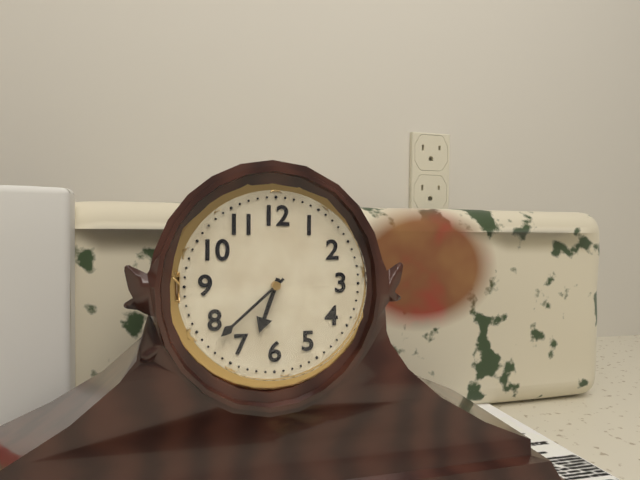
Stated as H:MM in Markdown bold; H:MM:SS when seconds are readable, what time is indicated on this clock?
**6:38**
